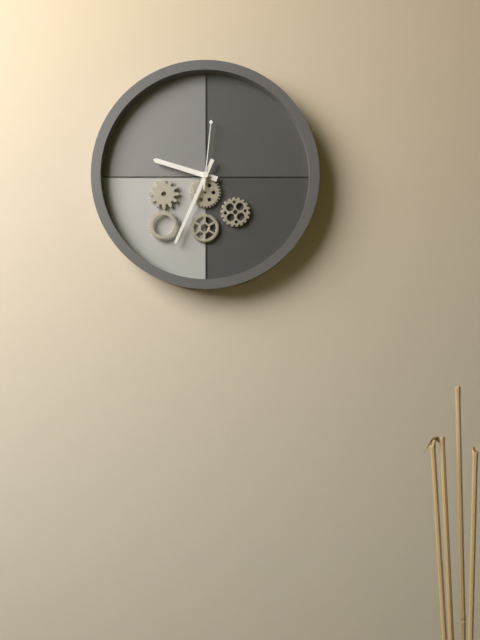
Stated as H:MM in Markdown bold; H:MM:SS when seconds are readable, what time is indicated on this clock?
**9:34:01**
